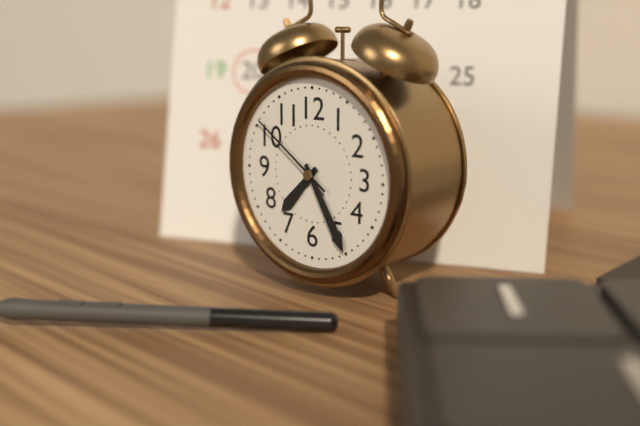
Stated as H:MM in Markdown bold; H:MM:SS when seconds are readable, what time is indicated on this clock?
**7:25:51**
